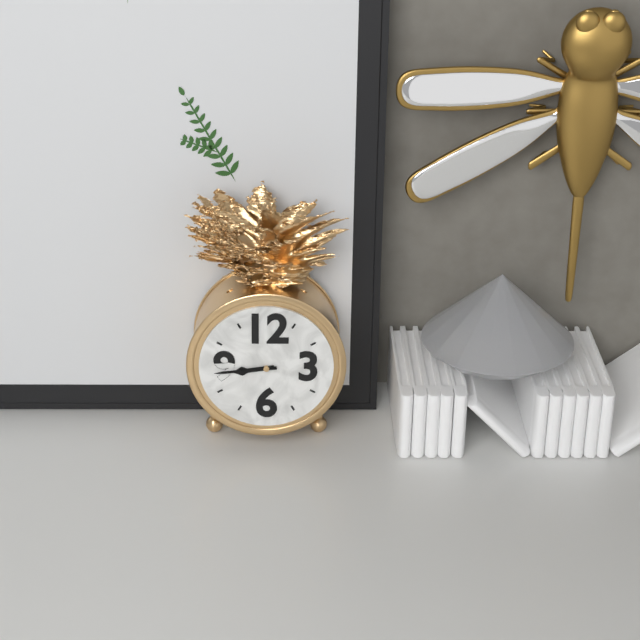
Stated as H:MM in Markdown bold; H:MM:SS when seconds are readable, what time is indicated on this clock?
**8:44**
